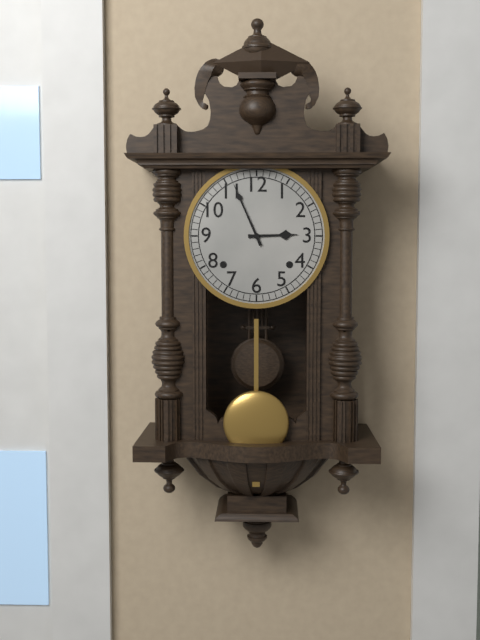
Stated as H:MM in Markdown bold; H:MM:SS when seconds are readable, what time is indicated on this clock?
**2:56**
